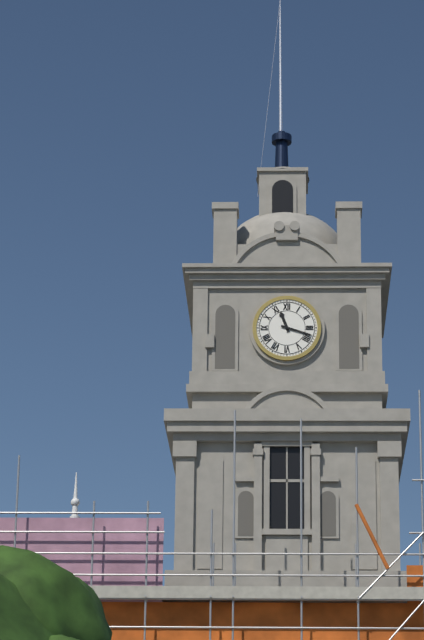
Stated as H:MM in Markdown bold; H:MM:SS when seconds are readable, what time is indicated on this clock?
**11:18**
